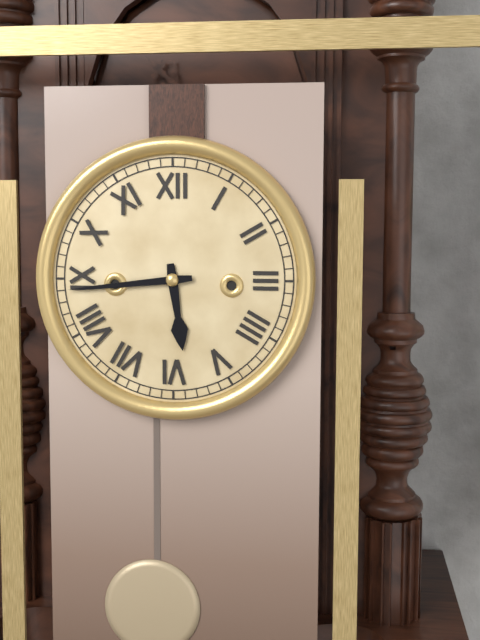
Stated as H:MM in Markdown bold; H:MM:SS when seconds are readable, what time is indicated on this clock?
**5:44**
